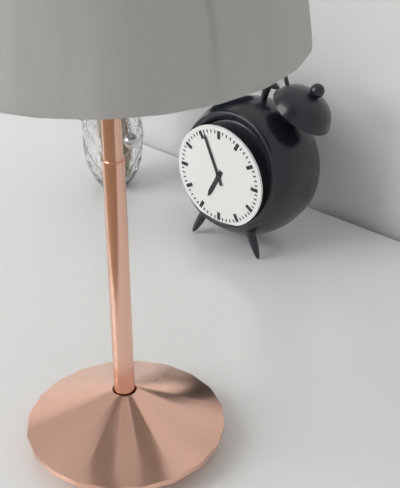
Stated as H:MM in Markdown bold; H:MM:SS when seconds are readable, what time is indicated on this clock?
**6:56**
